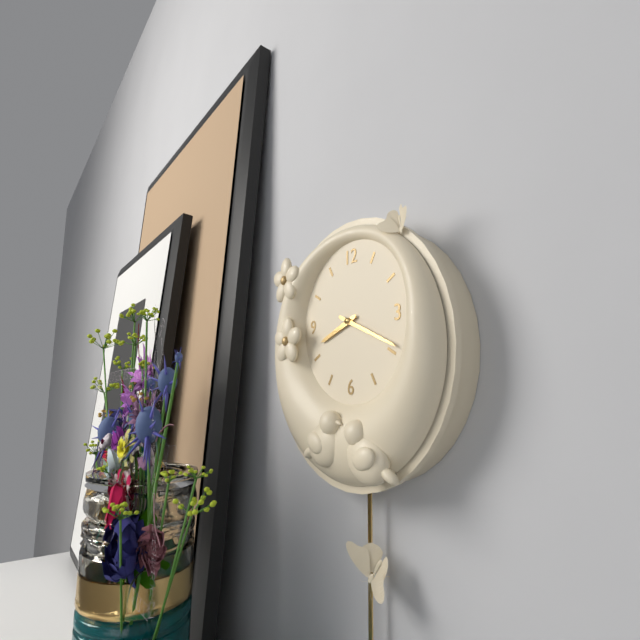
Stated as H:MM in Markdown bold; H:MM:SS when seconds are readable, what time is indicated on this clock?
**8:19**
